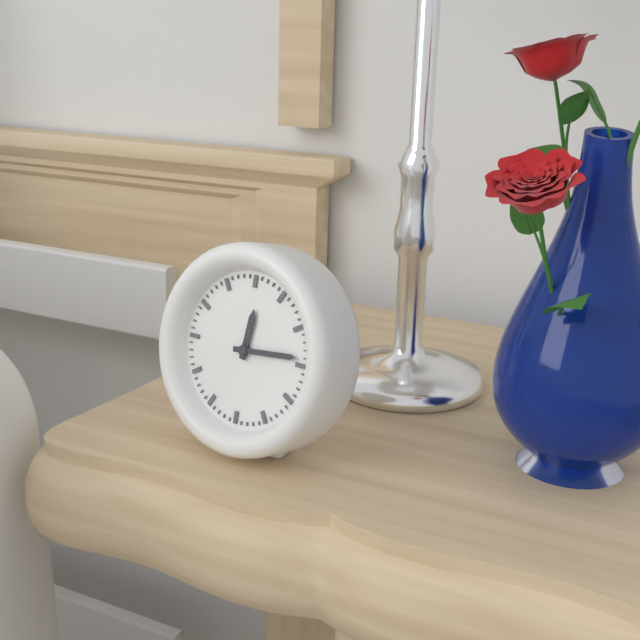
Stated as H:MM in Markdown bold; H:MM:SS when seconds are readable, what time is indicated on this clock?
**12:14**
